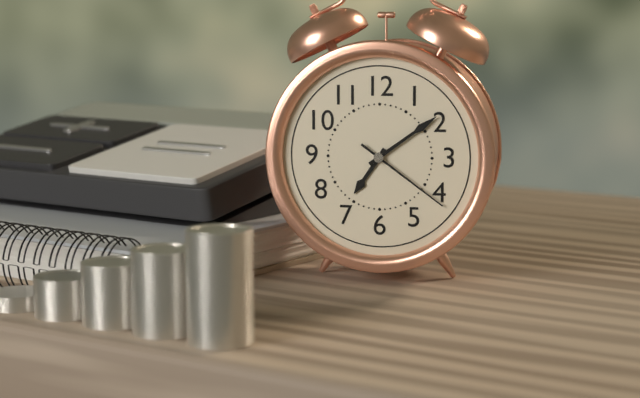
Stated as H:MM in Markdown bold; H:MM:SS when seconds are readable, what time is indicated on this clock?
**7:09:21**
